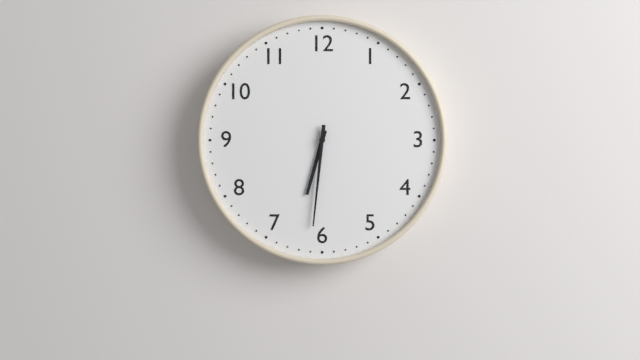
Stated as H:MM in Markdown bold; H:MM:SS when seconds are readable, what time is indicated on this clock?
**6:31**
